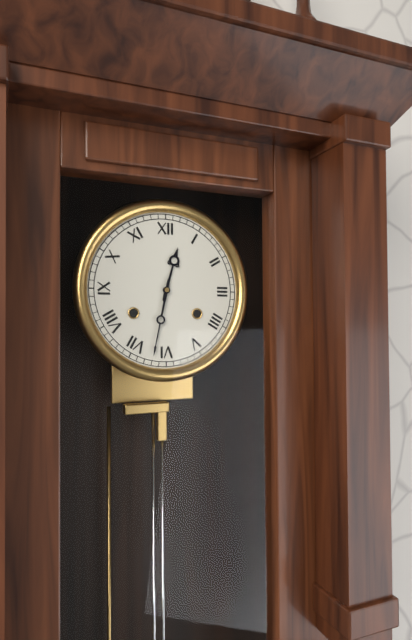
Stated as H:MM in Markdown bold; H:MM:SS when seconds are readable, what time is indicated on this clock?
**12:32**
